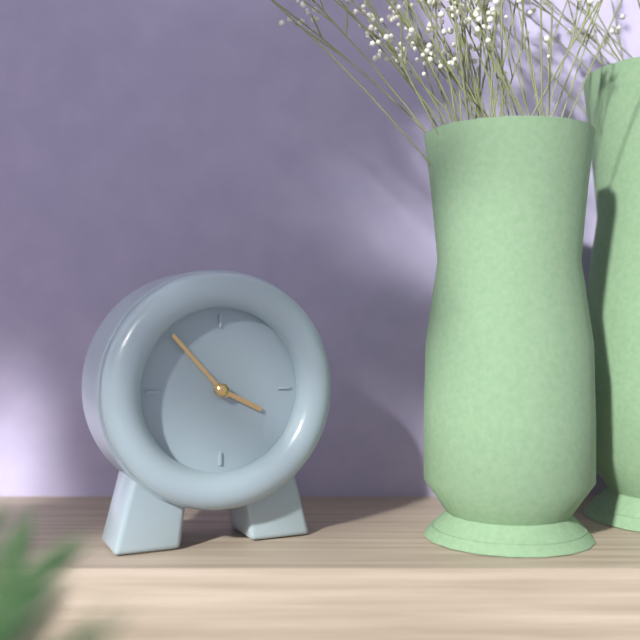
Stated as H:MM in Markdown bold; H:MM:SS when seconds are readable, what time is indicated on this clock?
**3:53**
